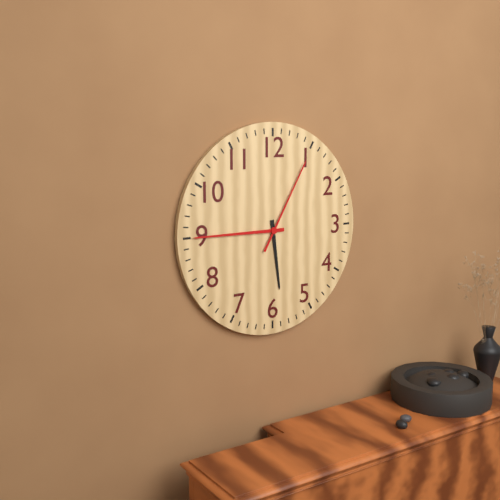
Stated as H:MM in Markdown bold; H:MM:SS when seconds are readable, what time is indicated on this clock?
**5:45:05**
